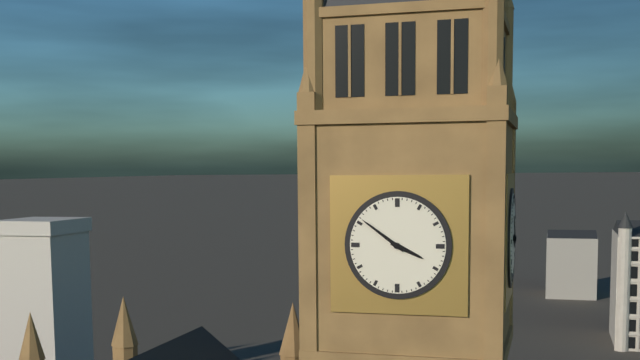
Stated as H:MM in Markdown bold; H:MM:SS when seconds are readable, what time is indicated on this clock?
**3:51**
